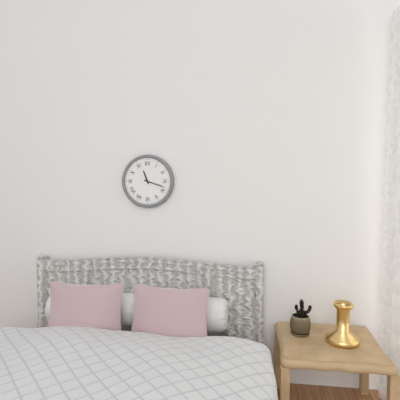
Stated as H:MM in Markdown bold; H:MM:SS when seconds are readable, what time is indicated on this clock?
**11:18**
